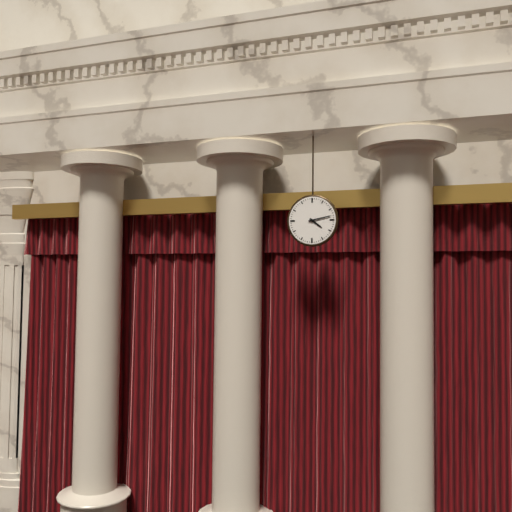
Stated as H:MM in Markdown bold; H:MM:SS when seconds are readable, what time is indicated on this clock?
**4:13**
